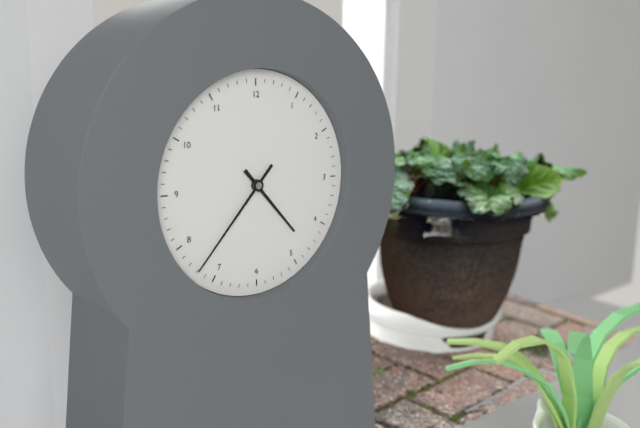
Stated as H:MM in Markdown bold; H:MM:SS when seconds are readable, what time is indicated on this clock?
**4:37**
